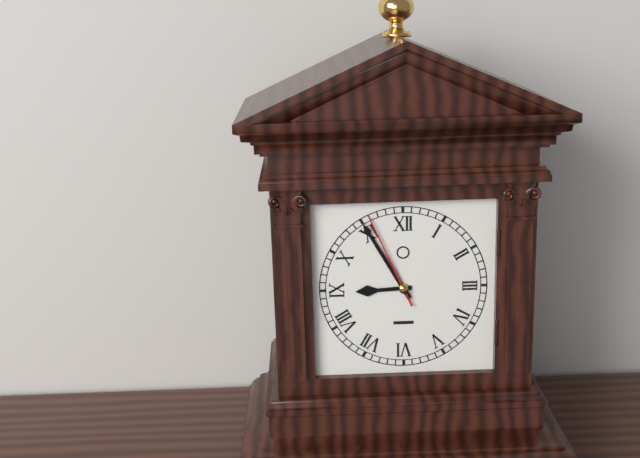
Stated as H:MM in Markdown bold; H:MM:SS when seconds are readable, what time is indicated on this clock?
**8:55:56**
